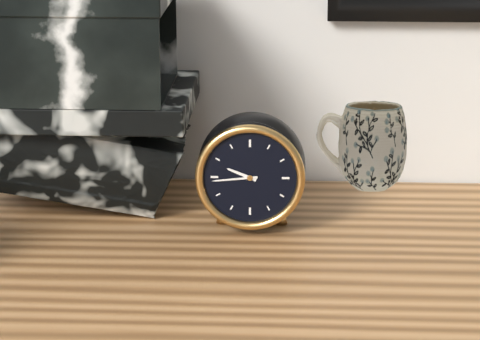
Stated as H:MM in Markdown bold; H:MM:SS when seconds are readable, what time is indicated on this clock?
**9:44**
